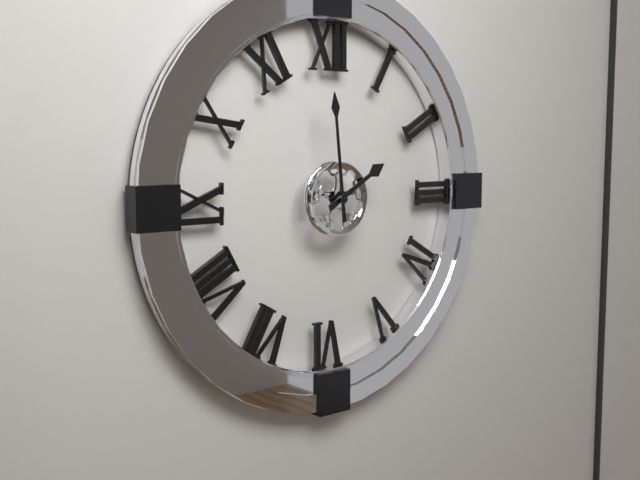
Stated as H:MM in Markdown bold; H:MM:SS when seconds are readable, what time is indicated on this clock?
**1:59**
